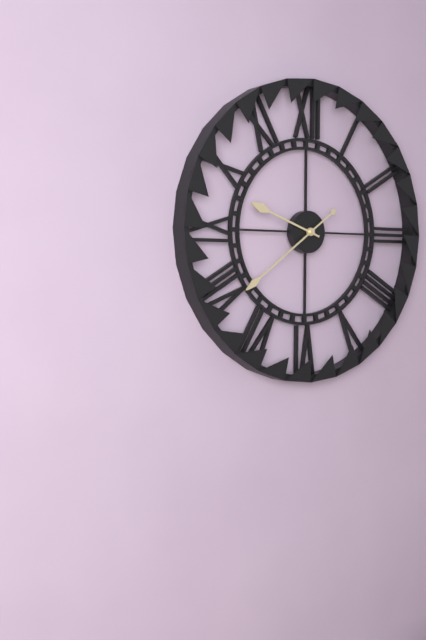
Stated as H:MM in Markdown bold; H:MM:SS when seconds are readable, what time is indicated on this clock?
**9:39**
